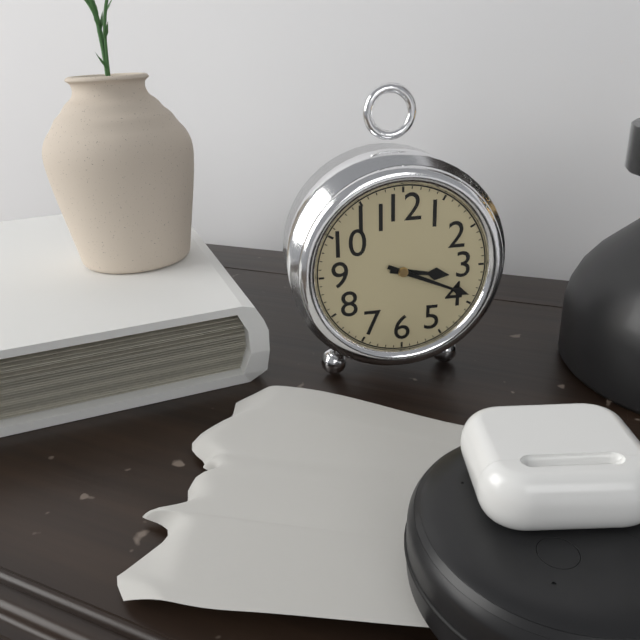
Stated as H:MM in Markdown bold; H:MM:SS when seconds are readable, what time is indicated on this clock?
**3:19**
